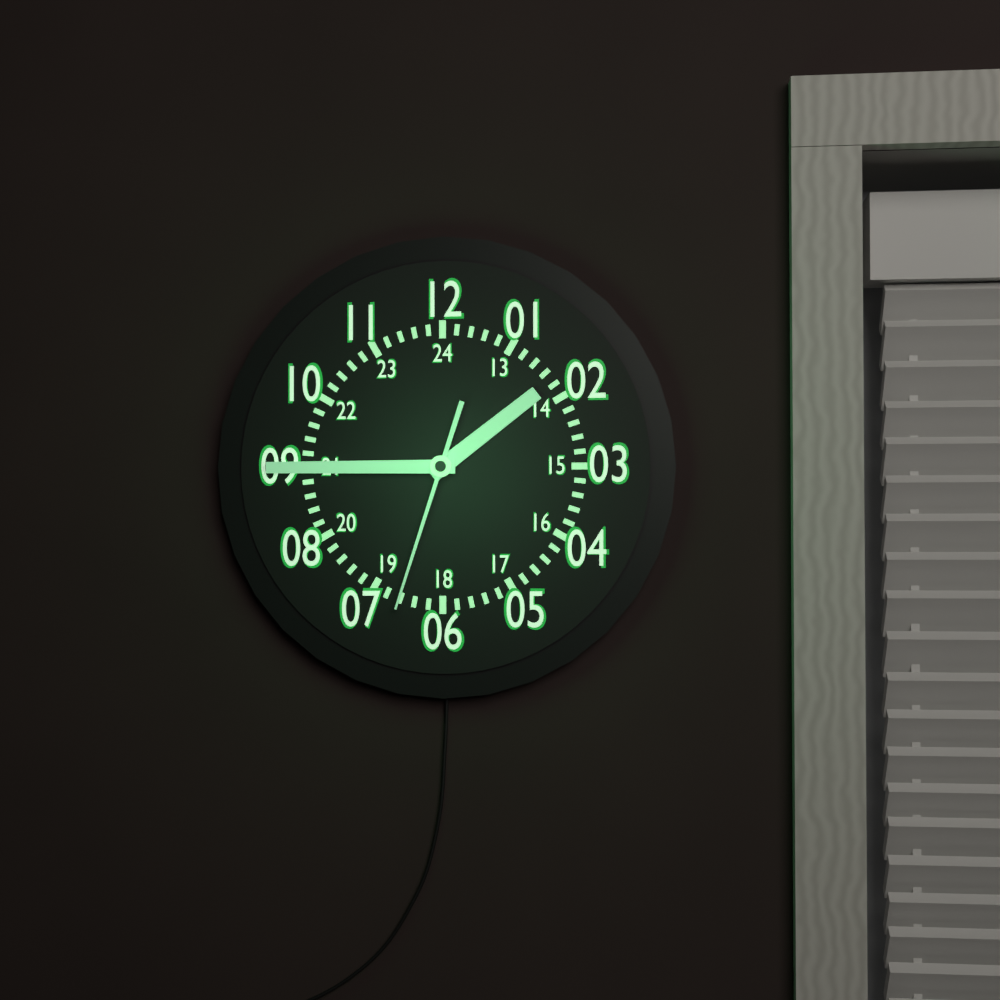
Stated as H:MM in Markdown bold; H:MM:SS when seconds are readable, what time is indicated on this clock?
**1:45:33**
